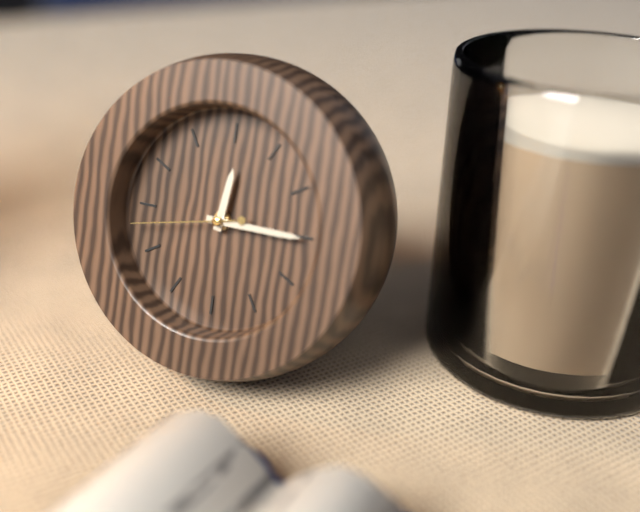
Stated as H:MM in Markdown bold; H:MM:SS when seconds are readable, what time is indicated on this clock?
**12:15:43**
